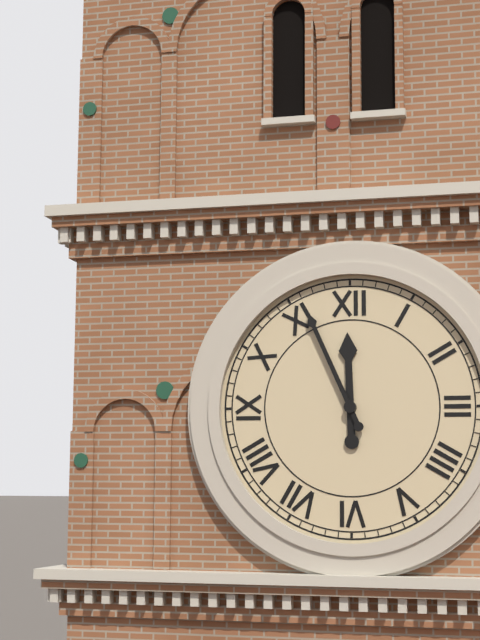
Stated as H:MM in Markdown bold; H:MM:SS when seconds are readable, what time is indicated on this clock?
**11:56**
